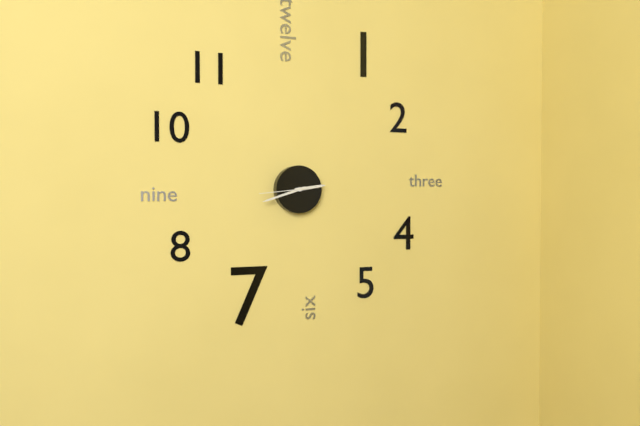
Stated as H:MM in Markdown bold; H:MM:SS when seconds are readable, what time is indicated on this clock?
**2:42:44**
